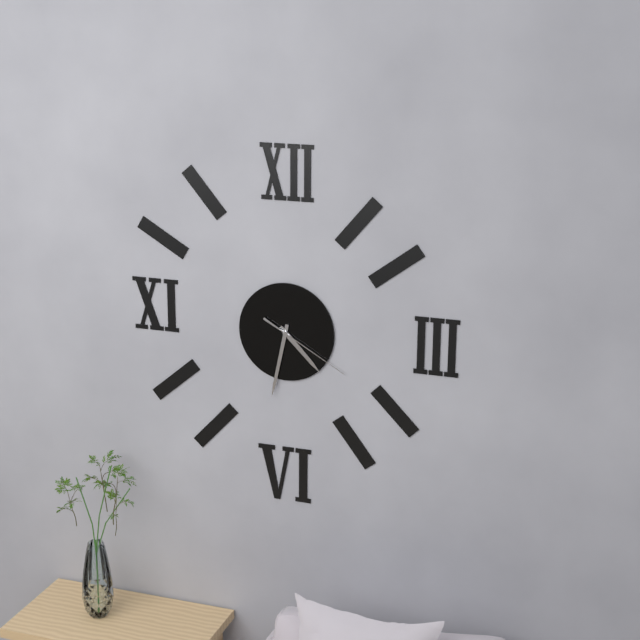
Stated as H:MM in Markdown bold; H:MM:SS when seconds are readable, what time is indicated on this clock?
**4:32:20**
